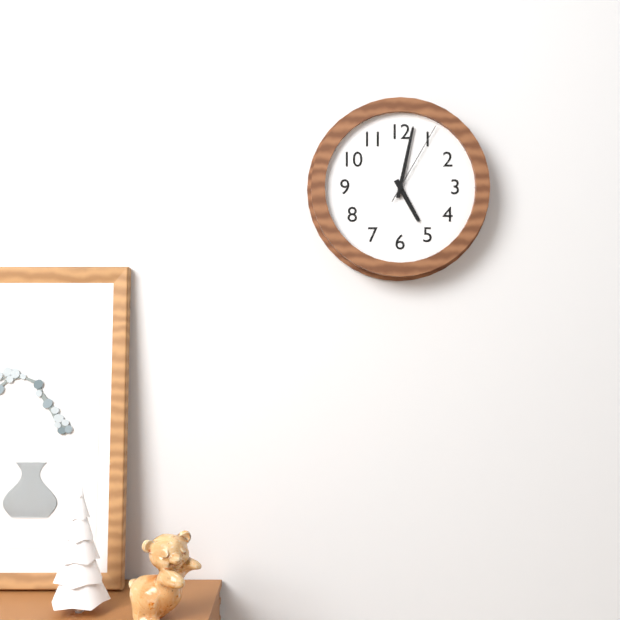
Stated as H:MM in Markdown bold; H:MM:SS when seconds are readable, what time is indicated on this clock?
**5:02:05**
